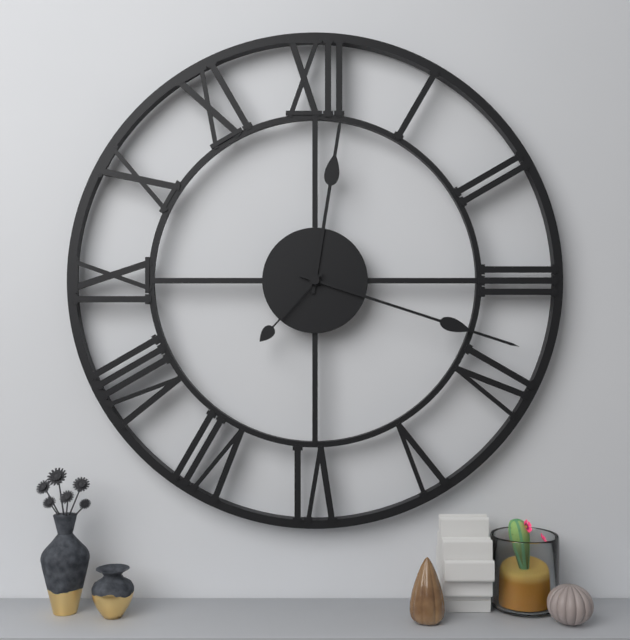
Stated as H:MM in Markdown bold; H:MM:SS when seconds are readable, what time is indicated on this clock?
**12:18:37**
